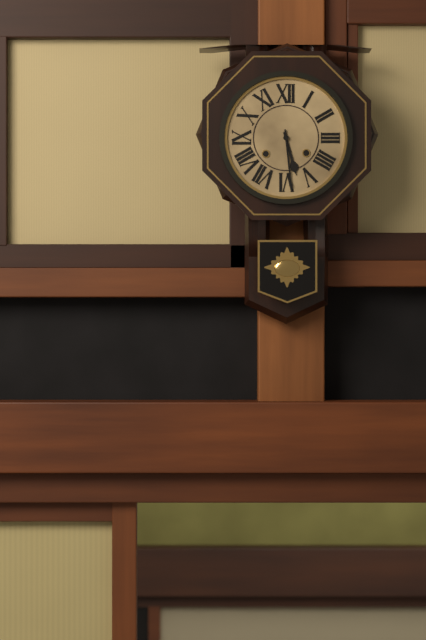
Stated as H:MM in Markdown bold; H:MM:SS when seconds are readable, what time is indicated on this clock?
**5:29**
